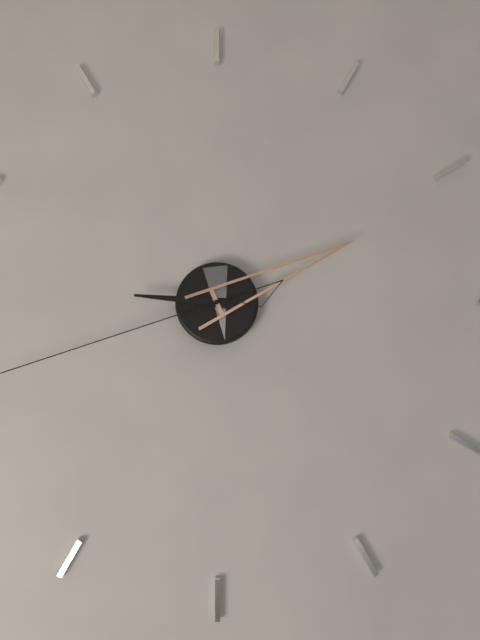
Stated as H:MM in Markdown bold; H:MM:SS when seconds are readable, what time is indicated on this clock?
**9:11:42**
